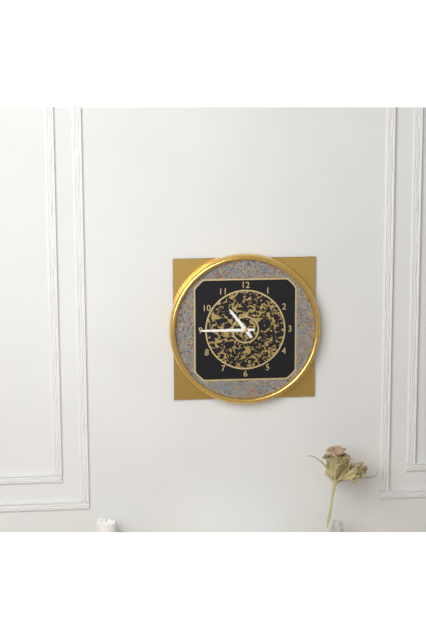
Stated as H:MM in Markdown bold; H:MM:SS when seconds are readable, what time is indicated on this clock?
**10:45**
